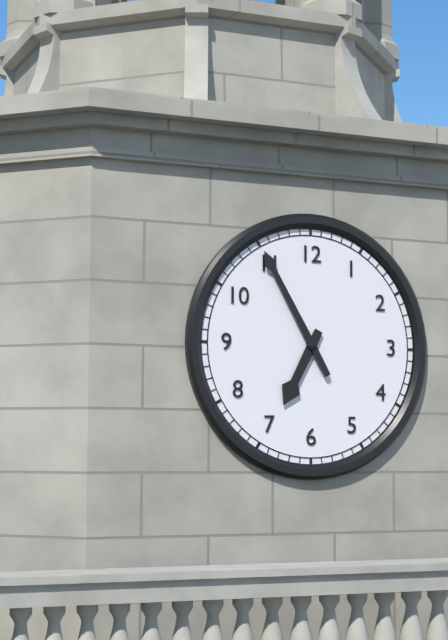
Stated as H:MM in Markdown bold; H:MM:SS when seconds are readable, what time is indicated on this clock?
**6:55**
